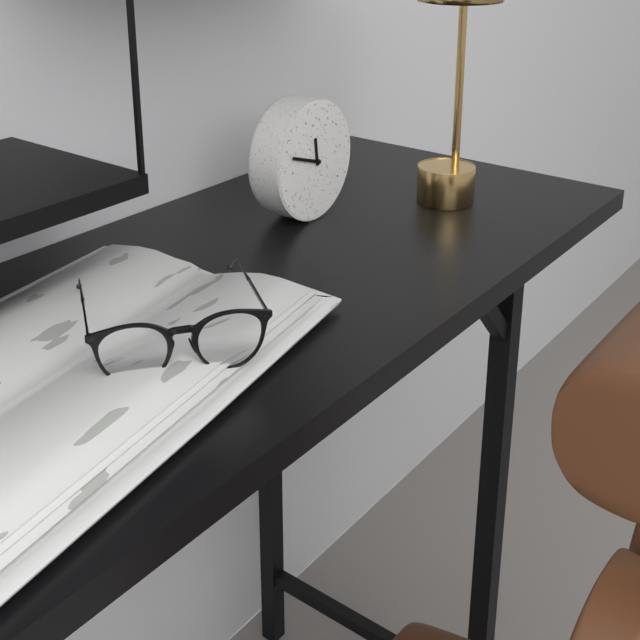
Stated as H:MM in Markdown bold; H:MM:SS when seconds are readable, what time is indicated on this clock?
**11:48**
